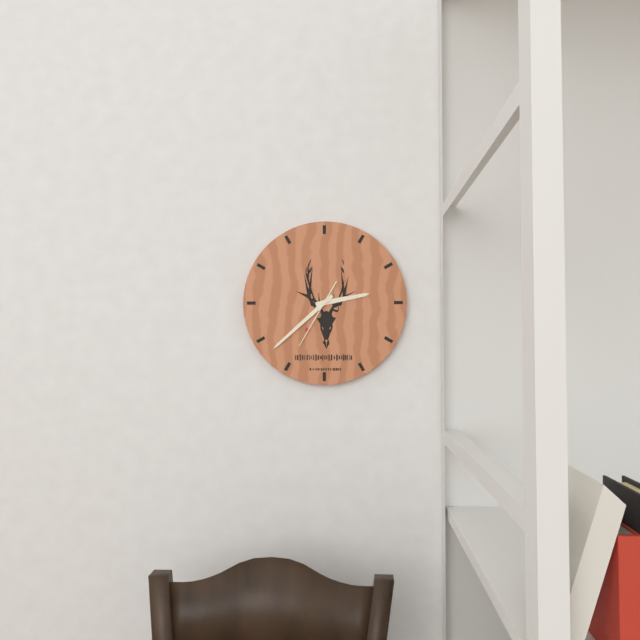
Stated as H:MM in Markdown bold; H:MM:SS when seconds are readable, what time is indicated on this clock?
**2:38:35**
